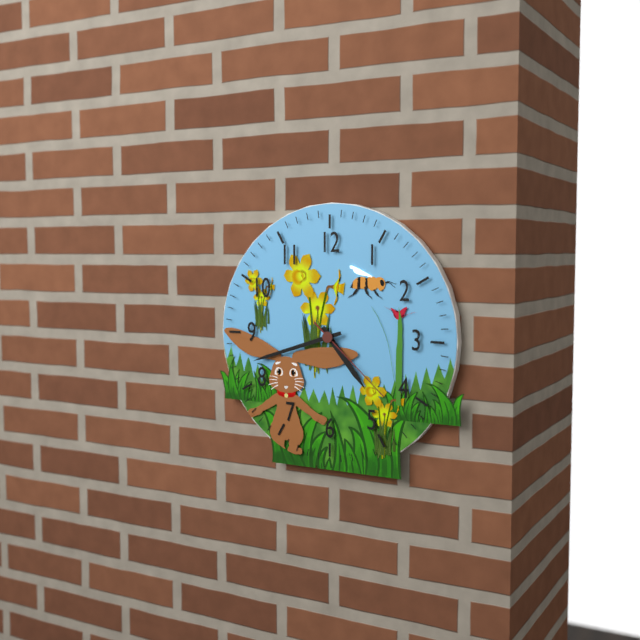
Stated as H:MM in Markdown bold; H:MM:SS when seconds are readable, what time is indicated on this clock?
**4:42:22**
